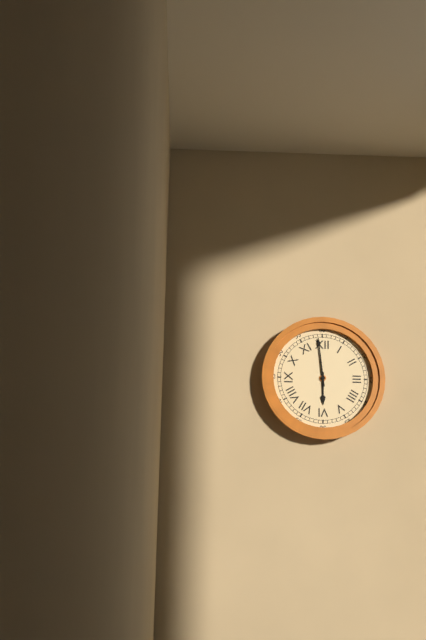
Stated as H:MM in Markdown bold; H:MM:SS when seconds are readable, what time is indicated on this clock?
**5:59**
